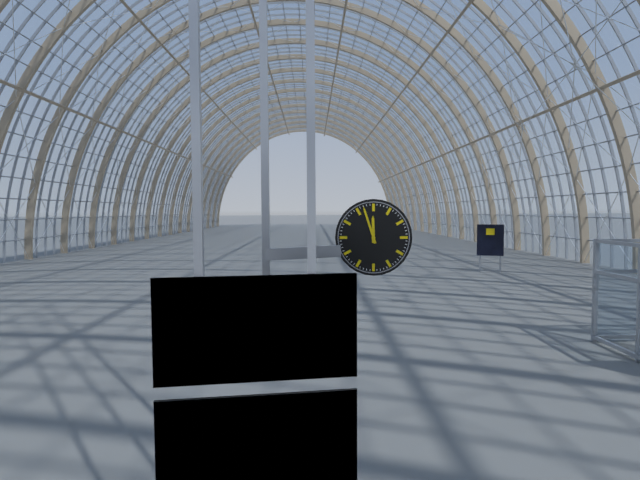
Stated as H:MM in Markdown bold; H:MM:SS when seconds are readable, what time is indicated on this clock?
**11:57**
